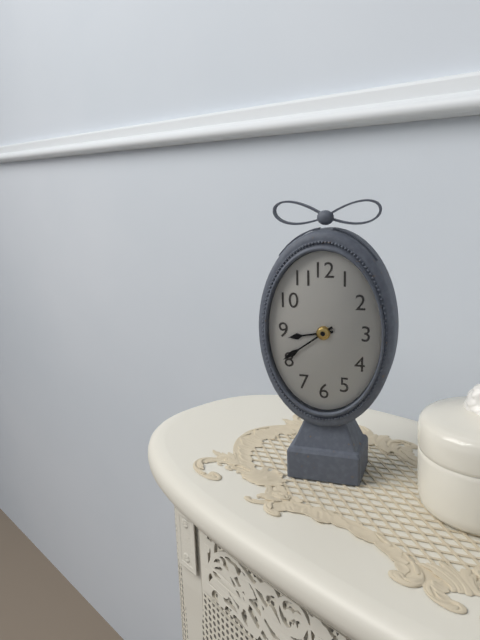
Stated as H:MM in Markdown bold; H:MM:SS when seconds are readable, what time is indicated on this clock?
**8:39**
